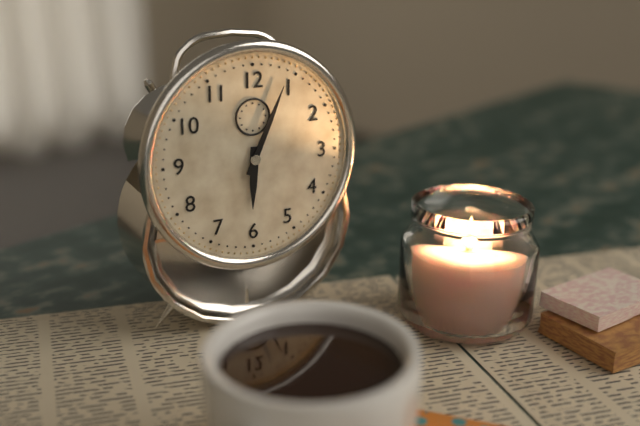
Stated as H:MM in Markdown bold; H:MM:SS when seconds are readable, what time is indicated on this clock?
**6:04**
